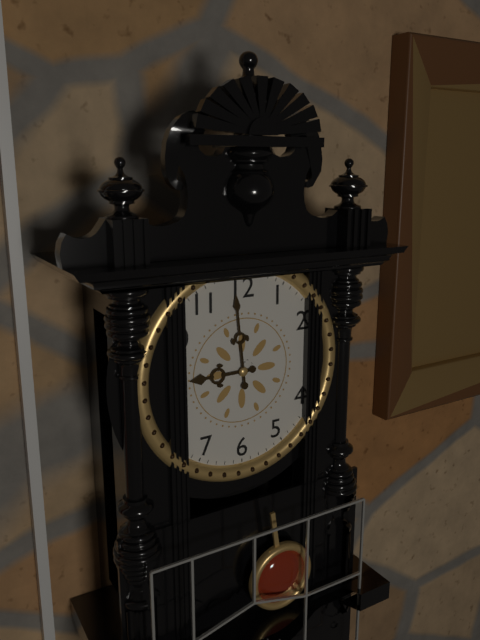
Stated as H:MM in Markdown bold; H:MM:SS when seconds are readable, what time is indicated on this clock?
**8:59**
